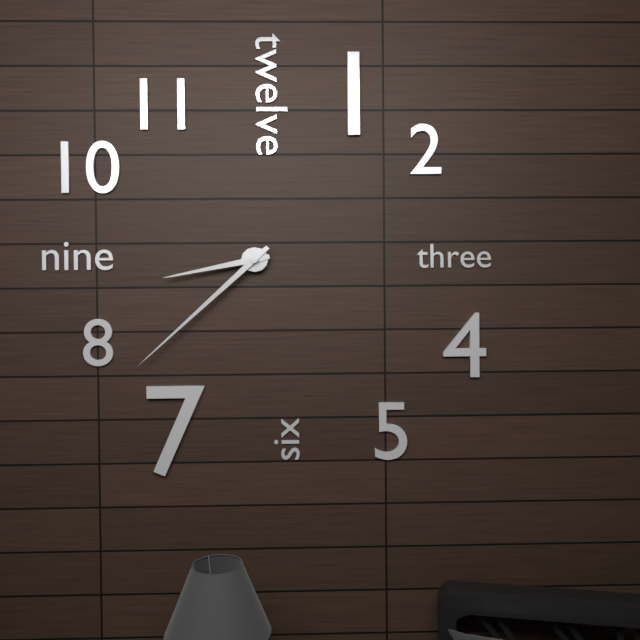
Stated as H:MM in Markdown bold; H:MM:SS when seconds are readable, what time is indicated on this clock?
**8:38**
